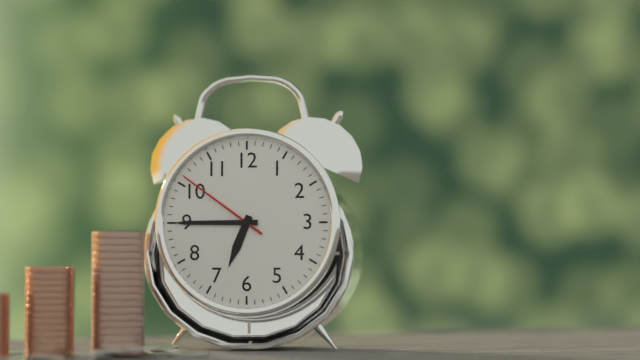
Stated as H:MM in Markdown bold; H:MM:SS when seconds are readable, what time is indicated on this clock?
**6:45:51**
